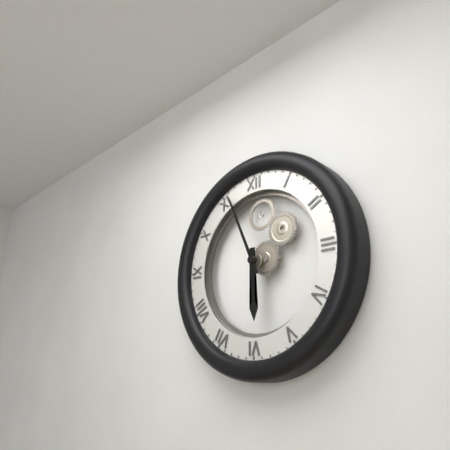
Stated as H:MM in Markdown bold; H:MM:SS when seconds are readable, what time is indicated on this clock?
**5:56**
